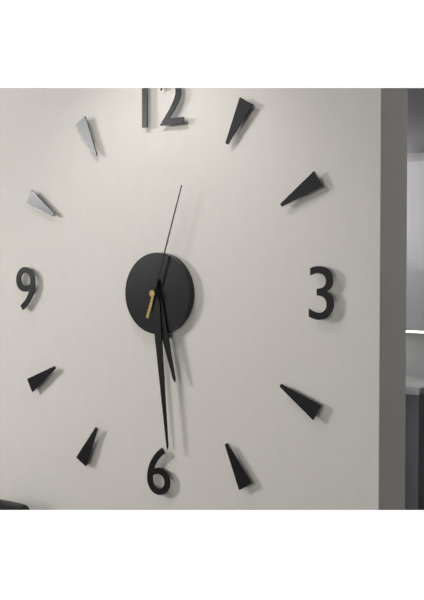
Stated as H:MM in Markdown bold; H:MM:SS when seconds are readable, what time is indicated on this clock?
**5:29:03**
